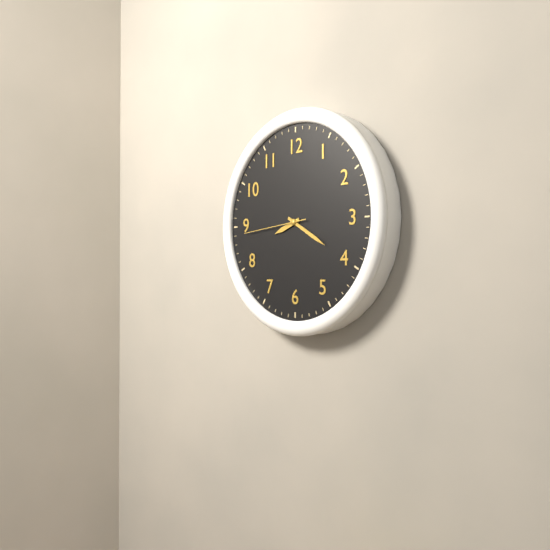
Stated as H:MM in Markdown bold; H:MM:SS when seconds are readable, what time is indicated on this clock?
**8:20:44**
